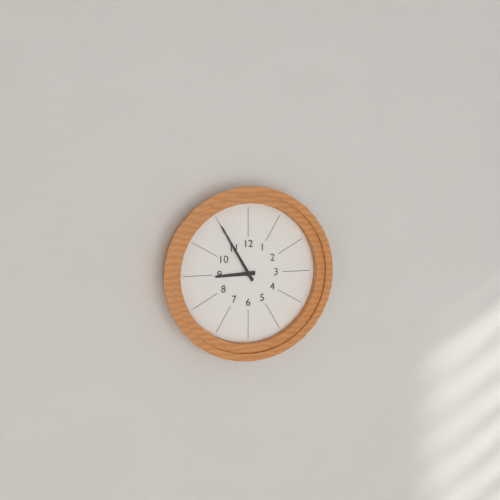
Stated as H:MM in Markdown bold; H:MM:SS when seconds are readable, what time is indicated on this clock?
**8:55**
